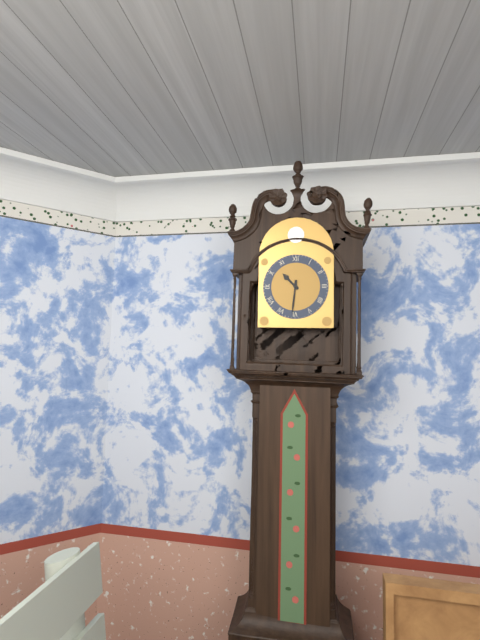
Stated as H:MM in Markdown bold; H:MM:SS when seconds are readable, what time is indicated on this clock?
**10:31**
